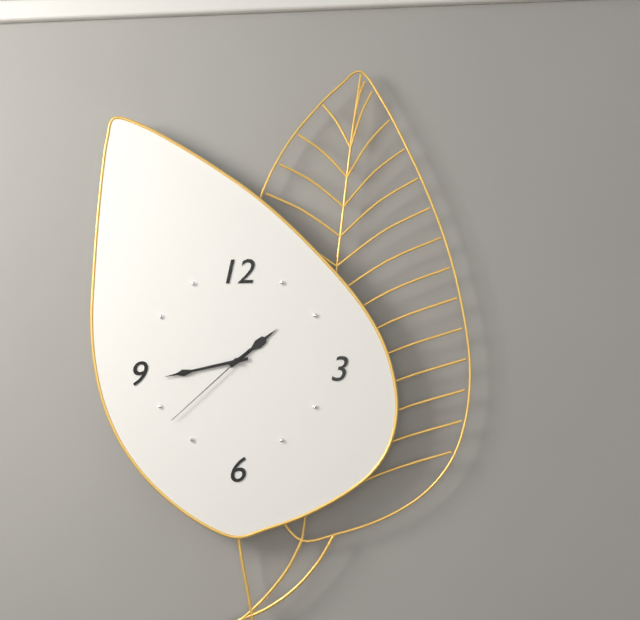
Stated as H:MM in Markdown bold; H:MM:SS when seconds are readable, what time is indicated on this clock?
**1:43:38**
